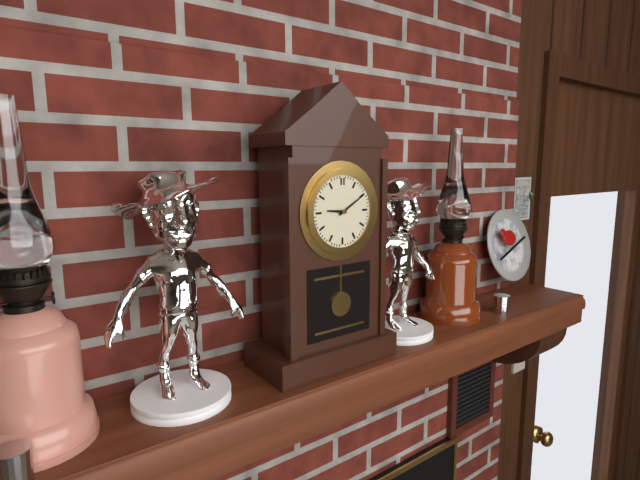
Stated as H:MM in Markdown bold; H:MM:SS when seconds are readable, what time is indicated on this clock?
**9:10**
